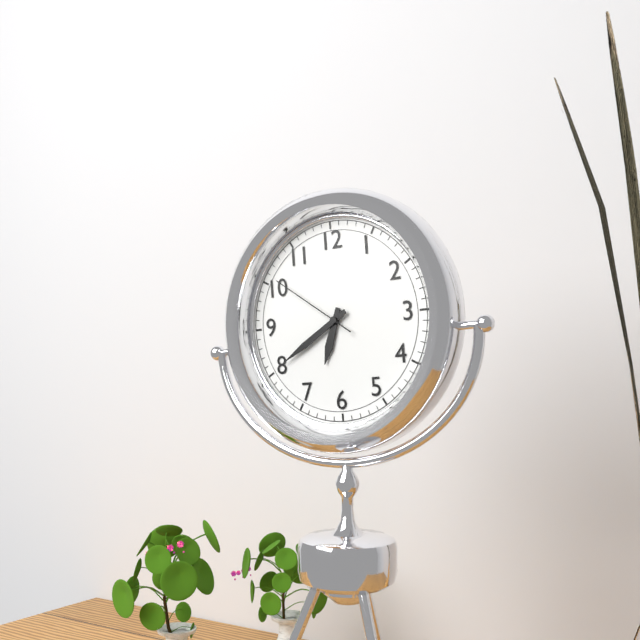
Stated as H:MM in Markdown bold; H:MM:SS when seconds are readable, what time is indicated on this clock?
**6:40:51**
